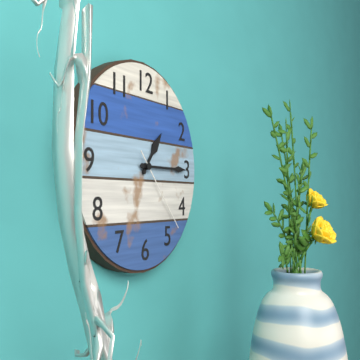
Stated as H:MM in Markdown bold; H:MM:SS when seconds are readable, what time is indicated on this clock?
**1:15:23**
